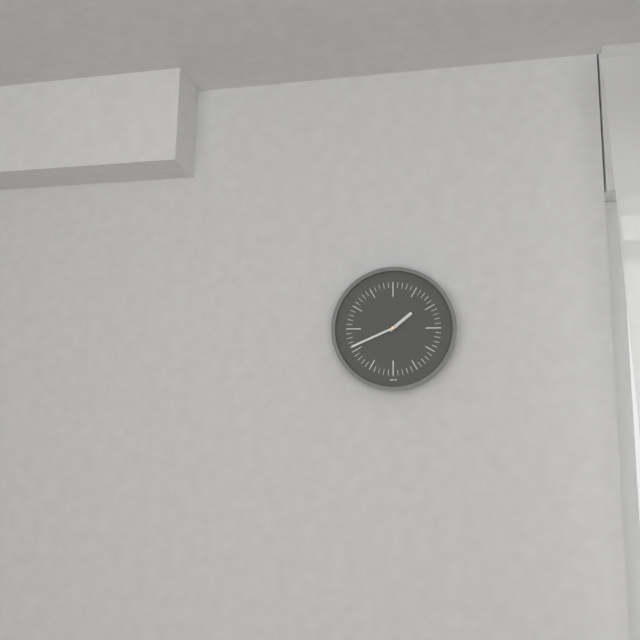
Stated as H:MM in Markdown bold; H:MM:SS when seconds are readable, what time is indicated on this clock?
**1:41**
